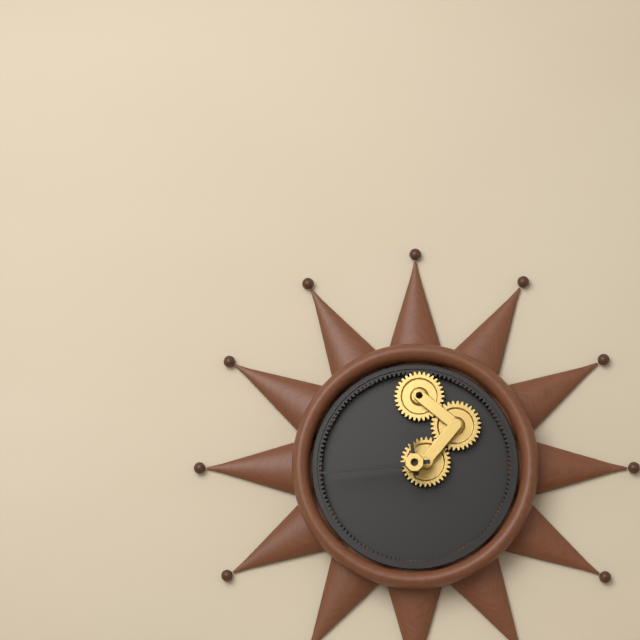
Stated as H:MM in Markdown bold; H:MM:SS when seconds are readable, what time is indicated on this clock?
**11:44**
